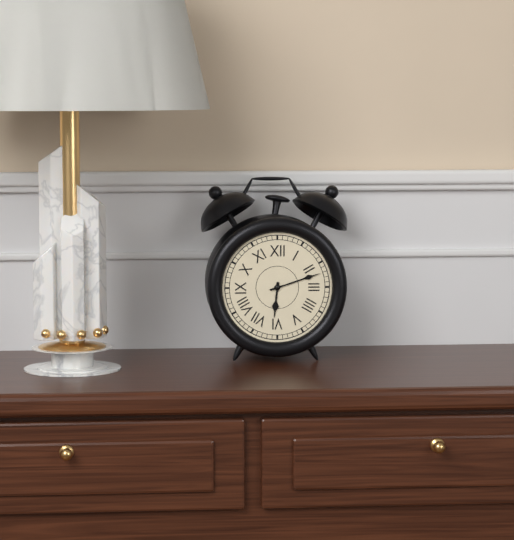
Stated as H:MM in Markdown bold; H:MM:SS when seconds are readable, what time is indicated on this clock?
**6:12**
